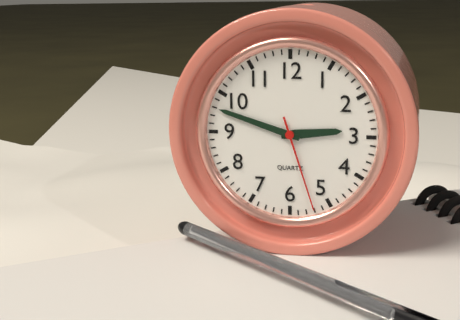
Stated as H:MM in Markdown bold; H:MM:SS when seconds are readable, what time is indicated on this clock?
**2:48:27**
